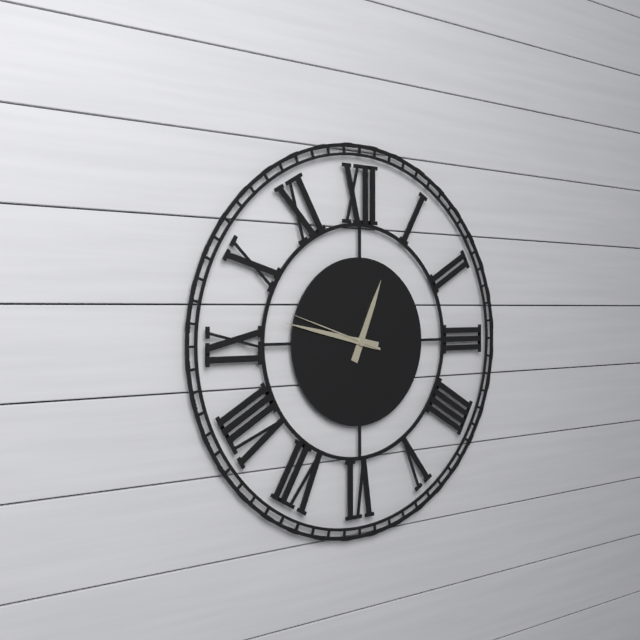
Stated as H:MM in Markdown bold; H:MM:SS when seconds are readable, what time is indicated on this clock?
**12:47:48**
